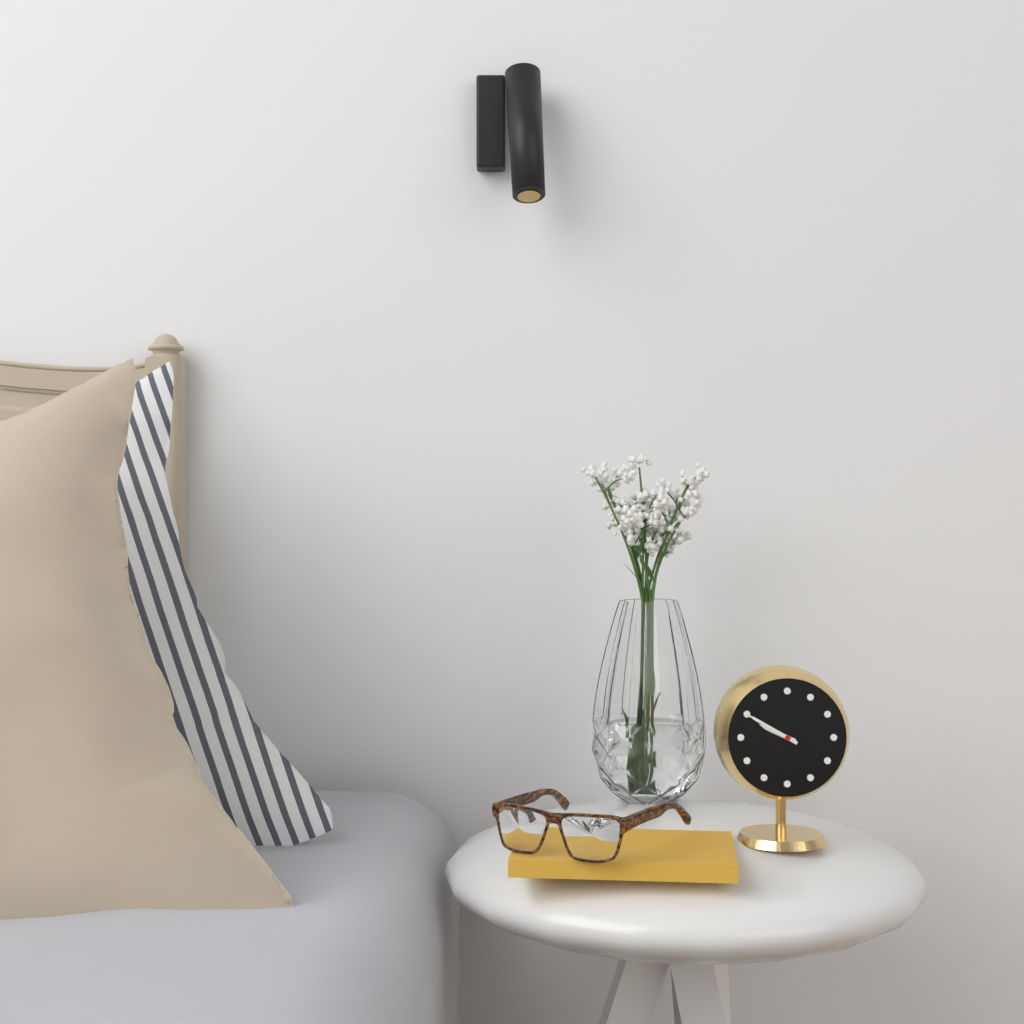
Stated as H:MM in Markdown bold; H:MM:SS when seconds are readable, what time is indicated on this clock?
**9:50**
